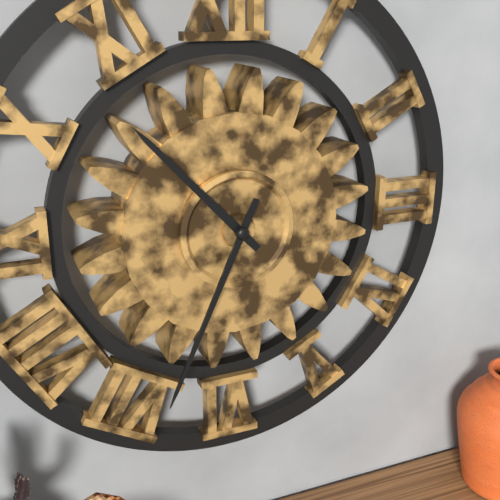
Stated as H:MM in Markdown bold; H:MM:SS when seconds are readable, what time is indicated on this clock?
**10:34**
